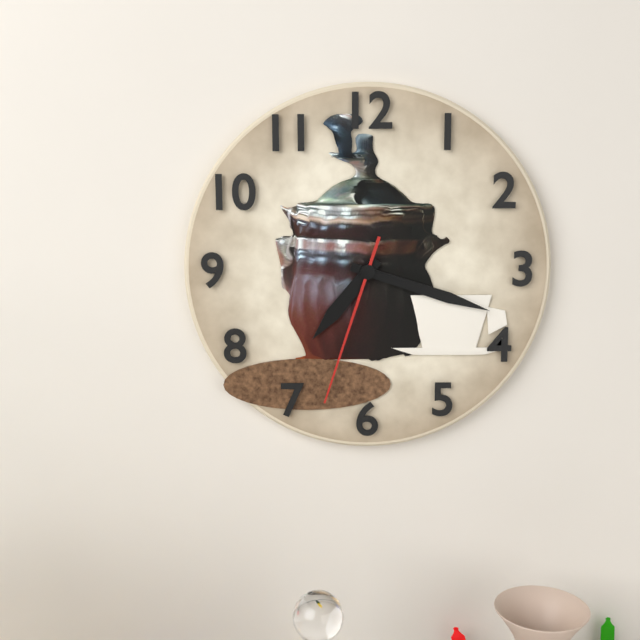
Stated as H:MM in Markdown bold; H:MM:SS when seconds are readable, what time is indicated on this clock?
**7:18:33**
